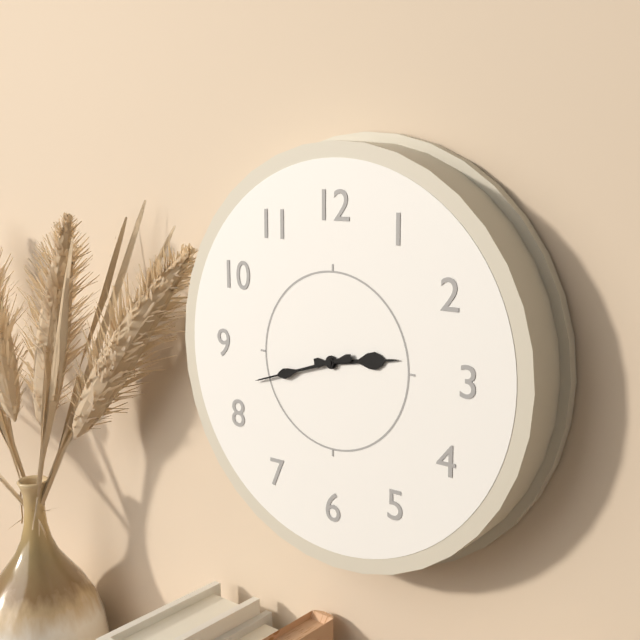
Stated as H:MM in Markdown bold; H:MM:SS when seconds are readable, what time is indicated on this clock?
**2:42**
